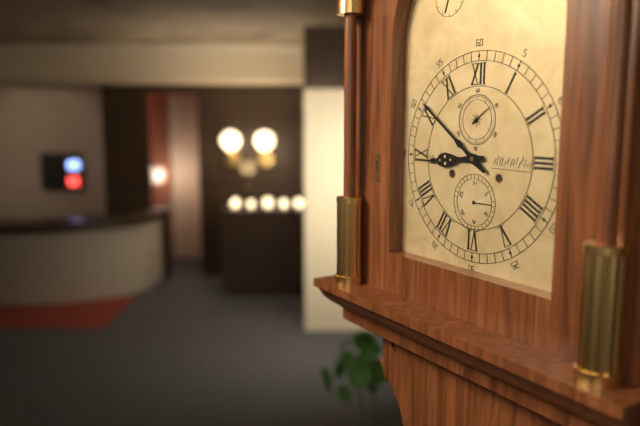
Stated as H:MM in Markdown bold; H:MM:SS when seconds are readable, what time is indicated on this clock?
**8:51**
